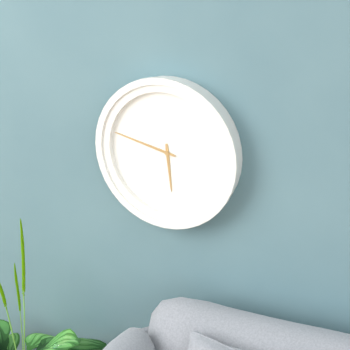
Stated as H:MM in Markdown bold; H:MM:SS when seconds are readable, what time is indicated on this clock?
**5:47**
